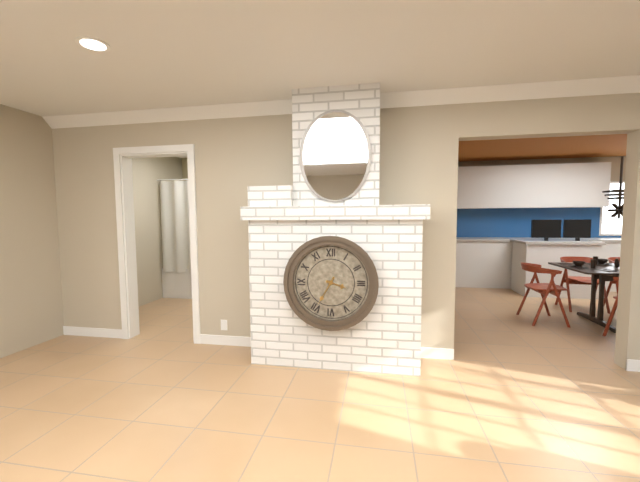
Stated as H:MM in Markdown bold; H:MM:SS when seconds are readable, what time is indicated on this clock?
**3:35**
